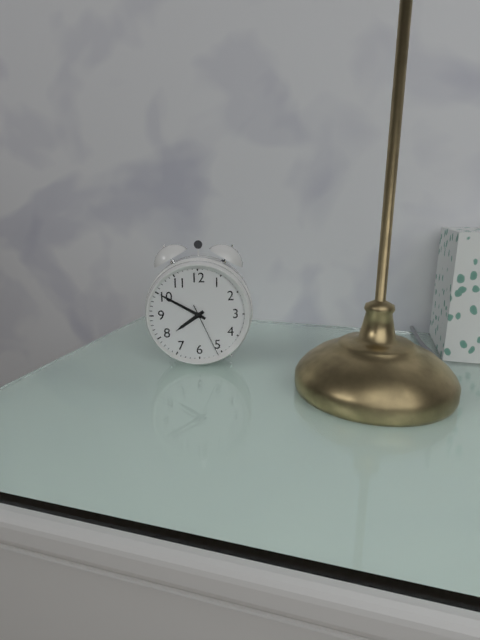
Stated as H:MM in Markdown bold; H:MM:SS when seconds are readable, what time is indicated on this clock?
**7:50:26**
